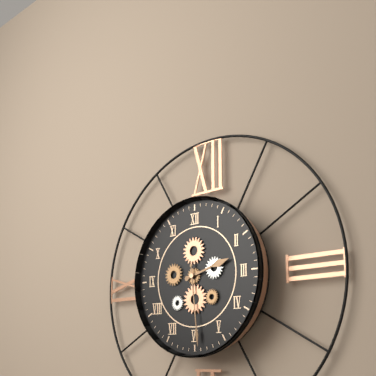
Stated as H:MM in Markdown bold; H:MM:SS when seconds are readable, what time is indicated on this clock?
**2:29**
